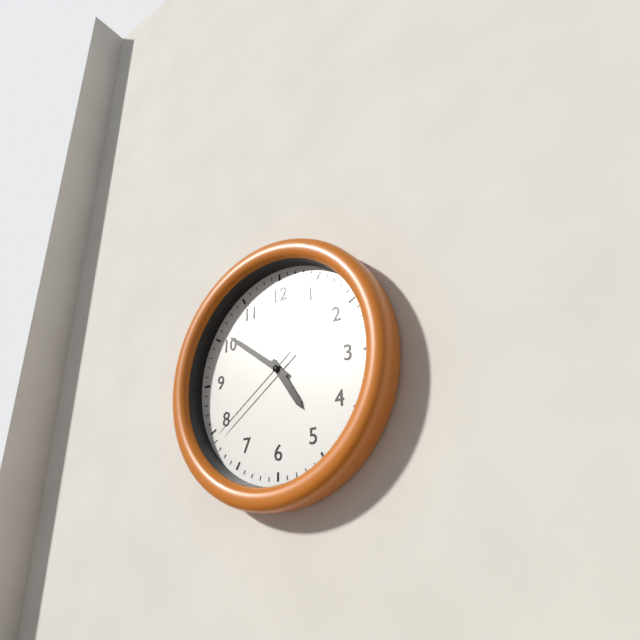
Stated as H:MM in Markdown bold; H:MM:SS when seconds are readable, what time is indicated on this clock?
**4:51:39**
